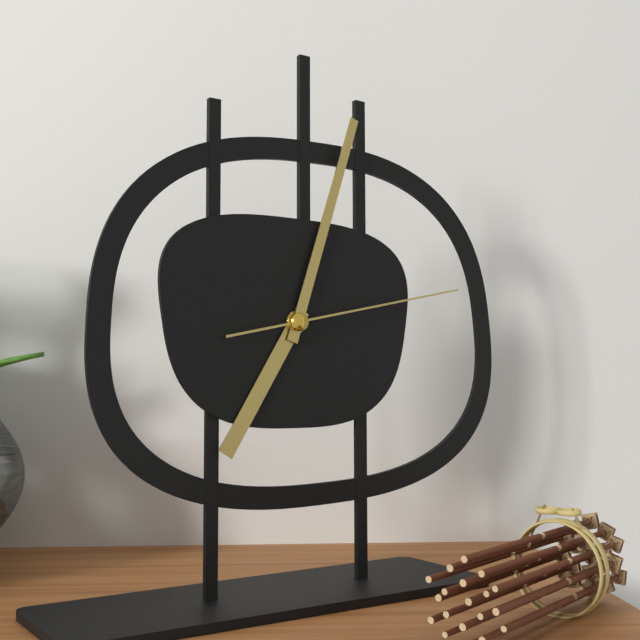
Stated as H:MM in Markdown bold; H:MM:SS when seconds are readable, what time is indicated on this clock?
**7:03:13**
